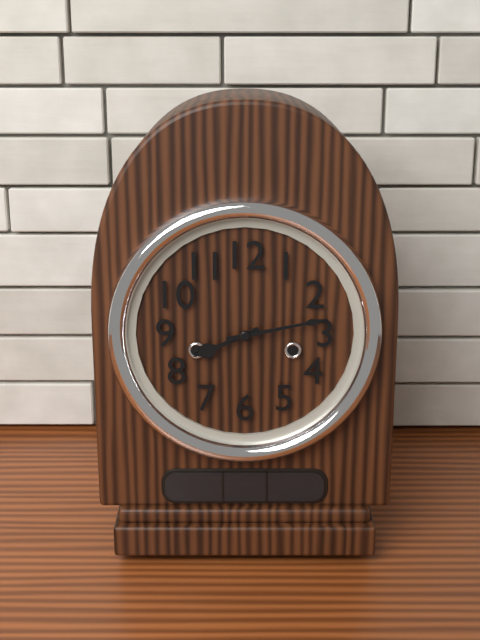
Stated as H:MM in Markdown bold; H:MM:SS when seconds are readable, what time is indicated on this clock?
**8:13**
